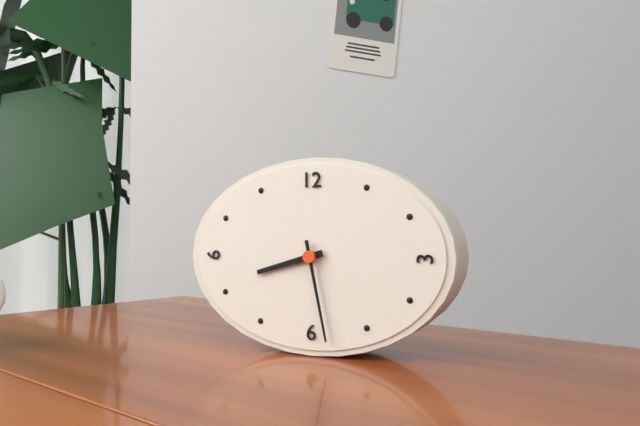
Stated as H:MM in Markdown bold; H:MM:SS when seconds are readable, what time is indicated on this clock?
**8:28**
